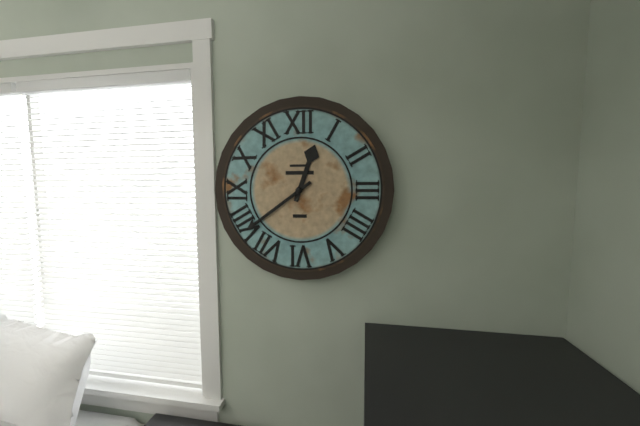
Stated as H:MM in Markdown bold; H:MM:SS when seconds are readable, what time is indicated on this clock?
**12:39**
